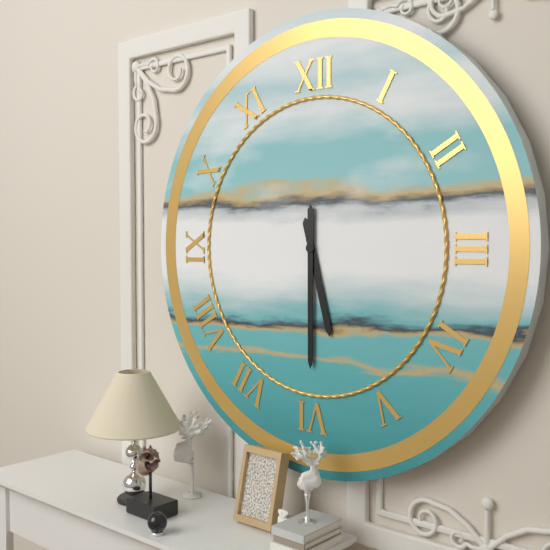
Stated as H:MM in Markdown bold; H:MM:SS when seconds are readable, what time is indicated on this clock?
**5:30**
